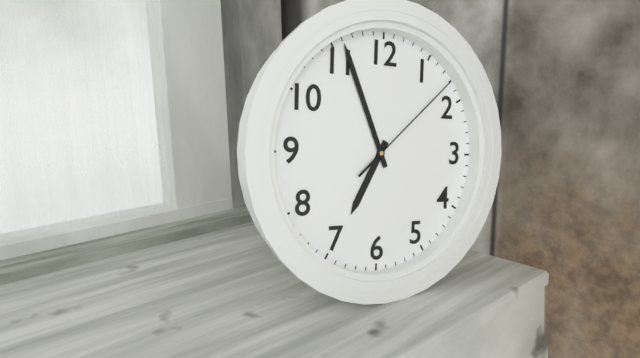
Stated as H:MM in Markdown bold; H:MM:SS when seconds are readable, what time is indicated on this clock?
**6:56:08**
